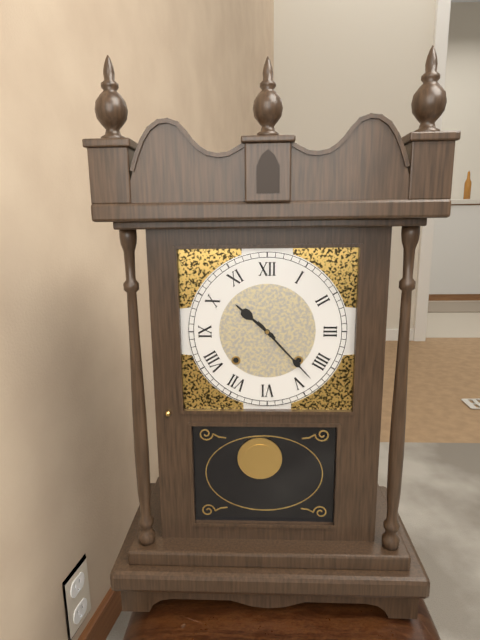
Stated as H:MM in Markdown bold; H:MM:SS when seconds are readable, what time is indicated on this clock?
**10:23**
